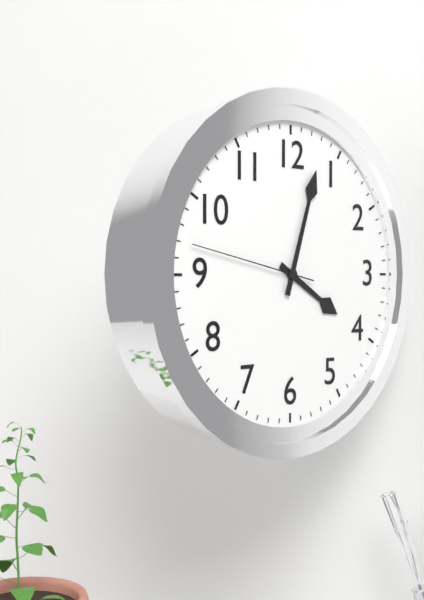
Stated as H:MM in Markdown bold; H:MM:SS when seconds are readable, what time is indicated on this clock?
**4:03:47**
